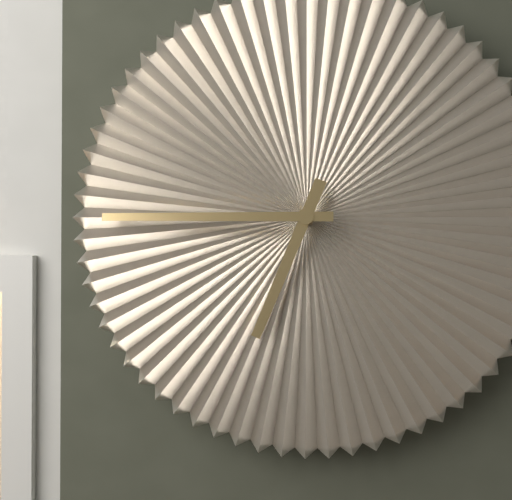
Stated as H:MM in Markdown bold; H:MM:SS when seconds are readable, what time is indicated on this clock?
**6:45**
